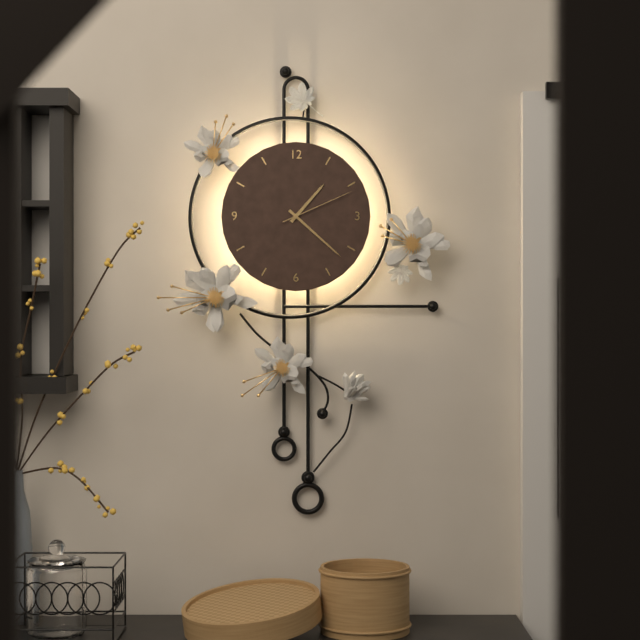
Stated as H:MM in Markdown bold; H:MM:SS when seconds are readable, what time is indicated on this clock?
**1:22:11**
